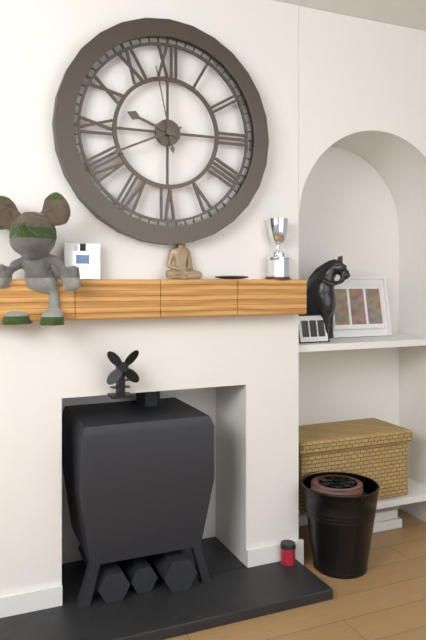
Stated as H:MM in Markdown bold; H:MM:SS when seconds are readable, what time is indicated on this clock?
**9:41:58**
